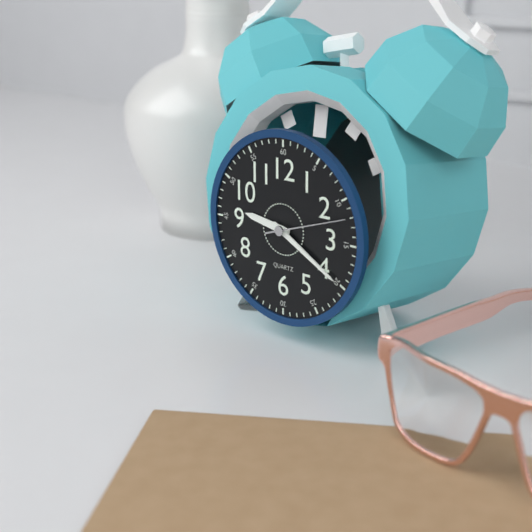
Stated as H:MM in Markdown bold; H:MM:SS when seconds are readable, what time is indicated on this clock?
**9:20:12**
